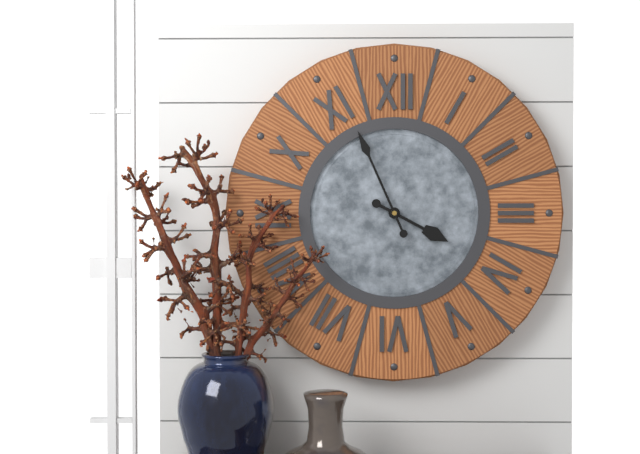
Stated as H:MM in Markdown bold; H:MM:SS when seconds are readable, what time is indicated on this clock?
**3:56**
